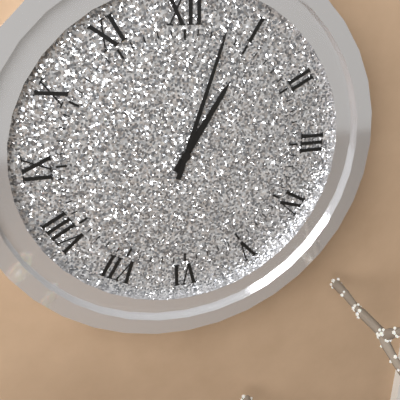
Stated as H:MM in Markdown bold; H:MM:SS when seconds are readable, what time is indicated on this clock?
**1:03**
